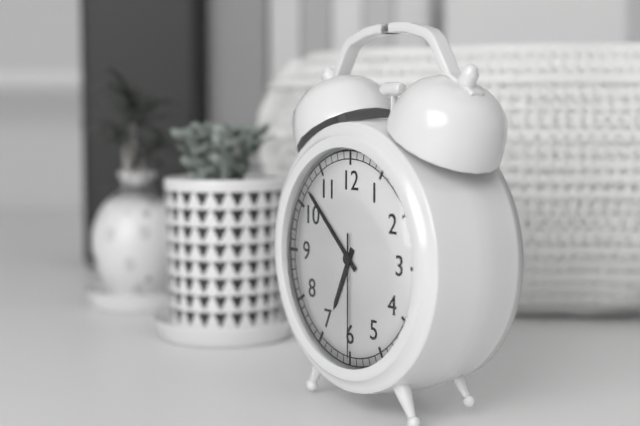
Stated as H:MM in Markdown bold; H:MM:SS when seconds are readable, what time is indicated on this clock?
**6:52:30**
